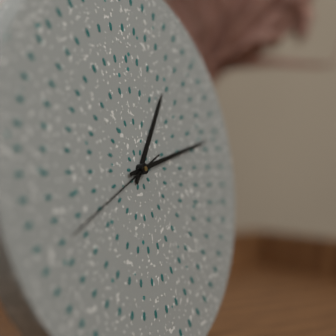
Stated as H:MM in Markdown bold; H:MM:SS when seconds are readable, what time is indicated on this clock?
**1:13:41**
